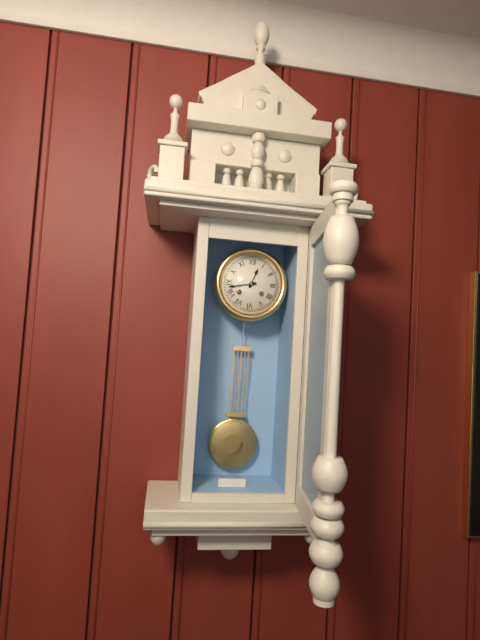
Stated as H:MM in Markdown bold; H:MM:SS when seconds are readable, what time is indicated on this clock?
**12:43**
